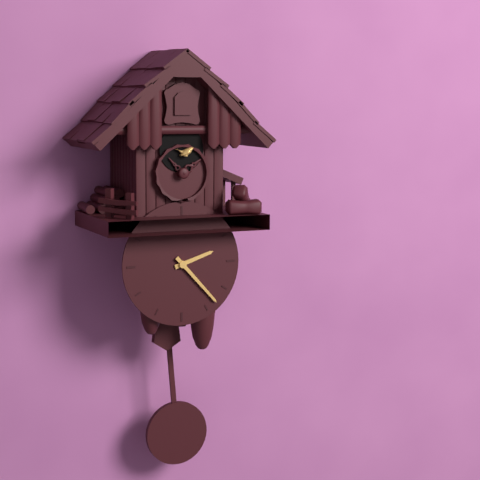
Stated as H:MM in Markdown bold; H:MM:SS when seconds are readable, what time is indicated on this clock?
**2:23**
